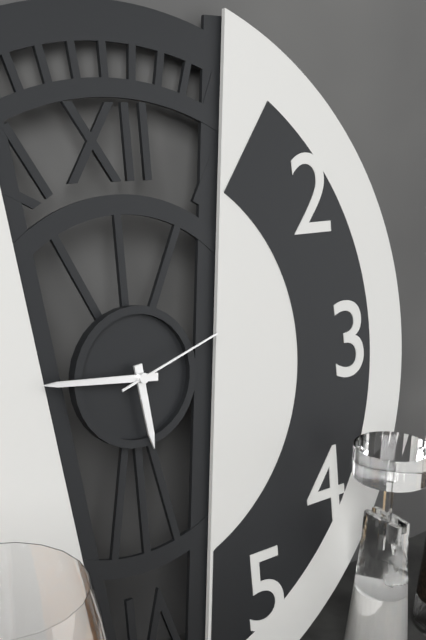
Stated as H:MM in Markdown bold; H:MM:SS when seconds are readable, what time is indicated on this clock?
**5:46:12**
